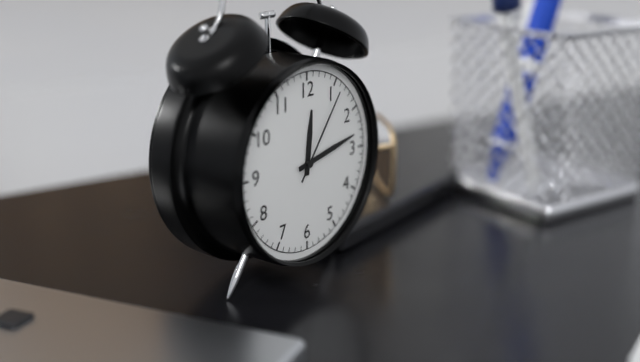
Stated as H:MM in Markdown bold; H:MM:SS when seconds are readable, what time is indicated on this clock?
**12:13:06**
